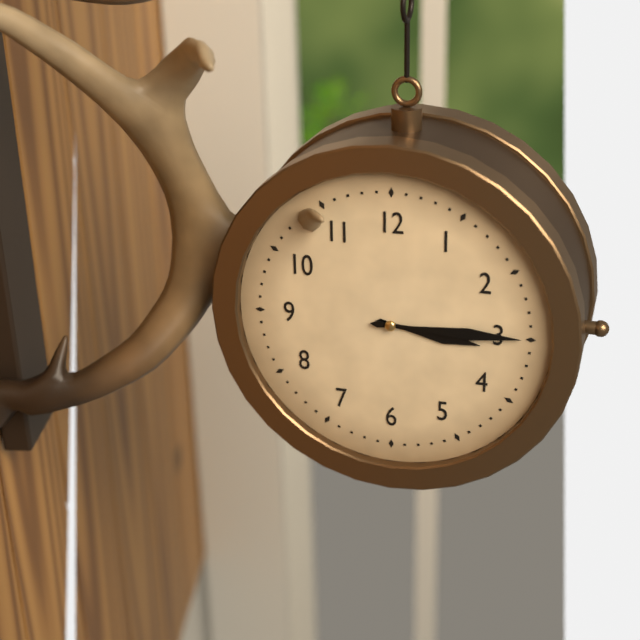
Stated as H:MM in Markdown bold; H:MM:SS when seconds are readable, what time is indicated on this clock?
**3:15**
